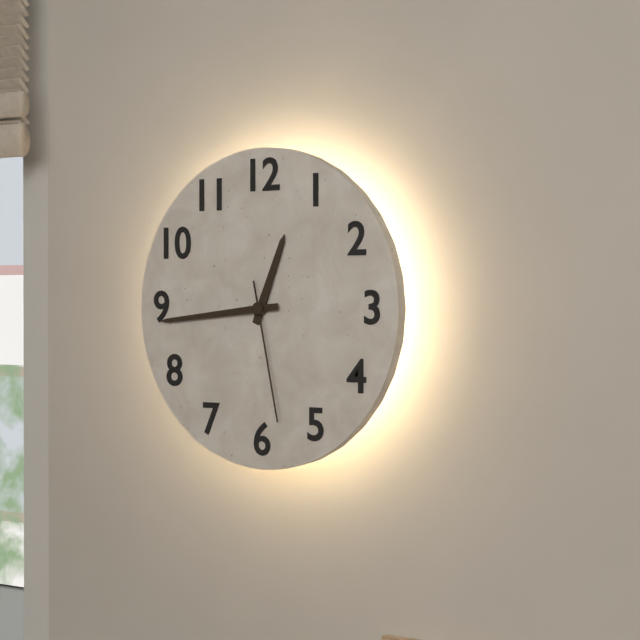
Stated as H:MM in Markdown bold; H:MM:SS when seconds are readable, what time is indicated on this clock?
**12:44:28**
